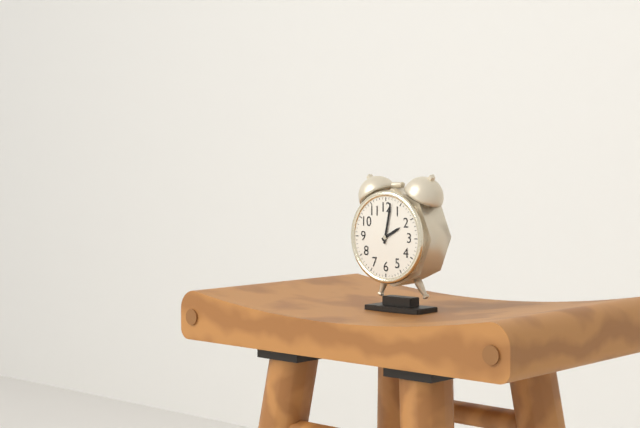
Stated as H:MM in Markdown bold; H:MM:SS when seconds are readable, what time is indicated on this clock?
**2:02**
